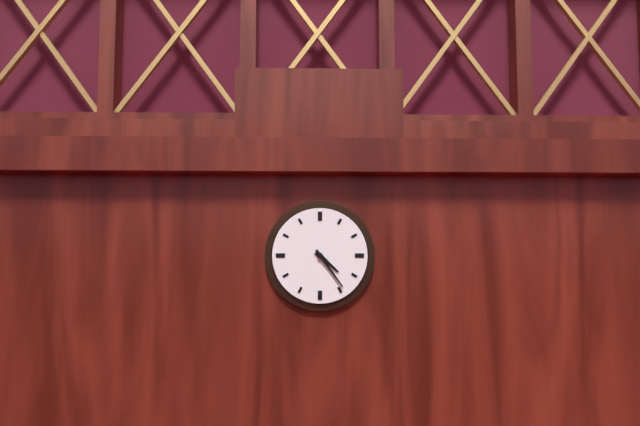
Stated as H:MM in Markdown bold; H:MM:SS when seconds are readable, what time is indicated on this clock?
**4:24**
